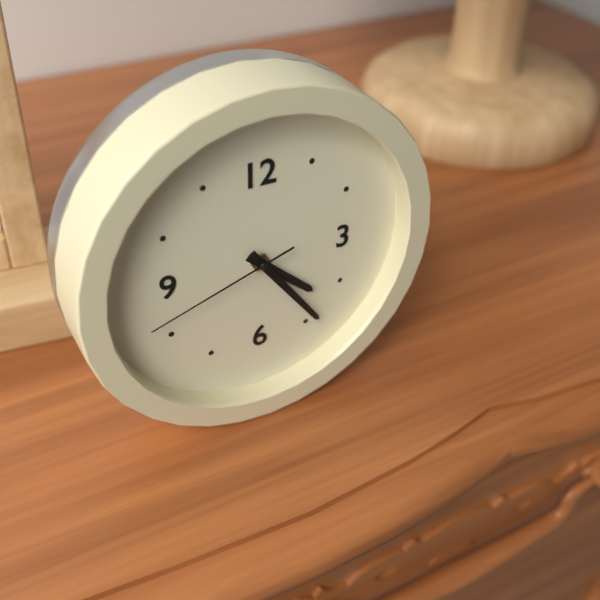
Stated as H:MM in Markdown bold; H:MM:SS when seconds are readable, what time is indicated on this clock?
**4:24:42**
